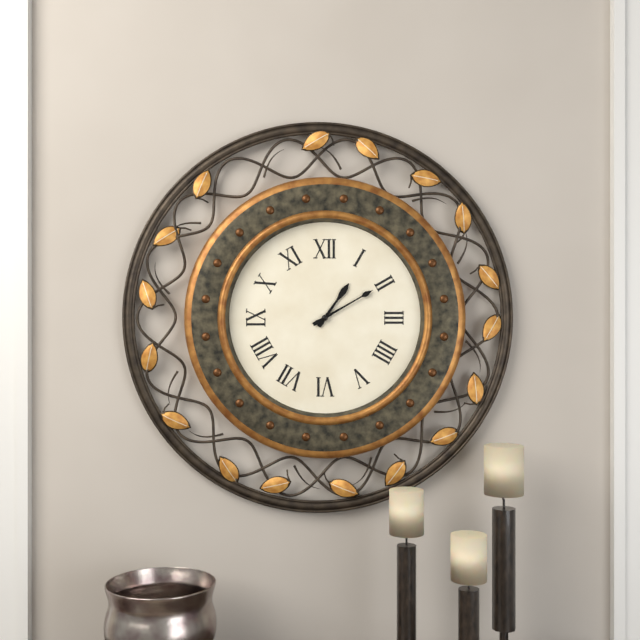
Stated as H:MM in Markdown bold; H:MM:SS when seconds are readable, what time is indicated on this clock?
**1:10**
